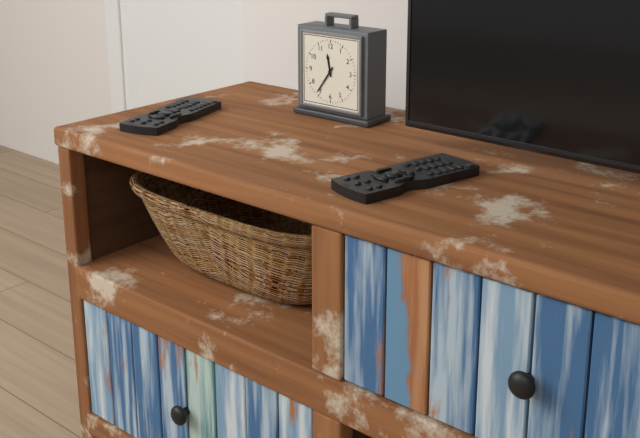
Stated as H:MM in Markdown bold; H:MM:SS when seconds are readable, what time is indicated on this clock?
**11:36**
